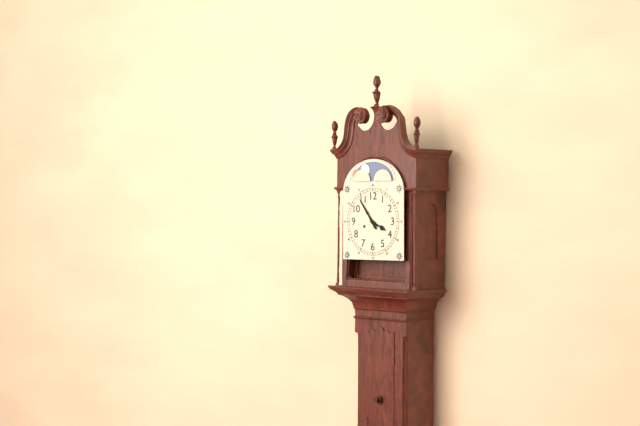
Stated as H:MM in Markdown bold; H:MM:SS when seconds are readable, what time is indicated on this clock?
**3:54**
